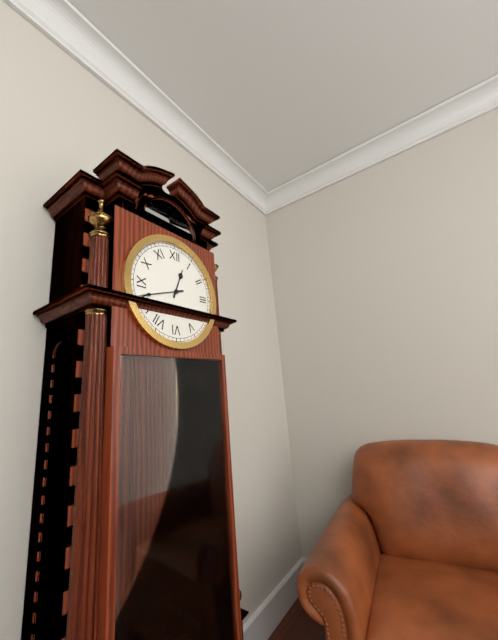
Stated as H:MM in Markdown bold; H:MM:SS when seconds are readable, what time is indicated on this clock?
**12:42**
